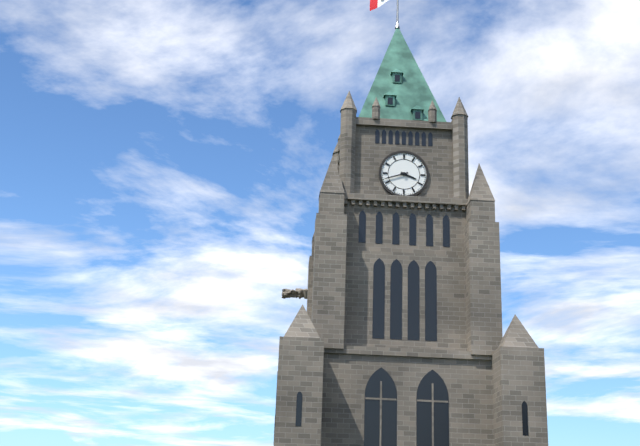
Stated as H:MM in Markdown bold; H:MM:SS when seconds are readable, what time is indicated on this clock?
**3:42**
